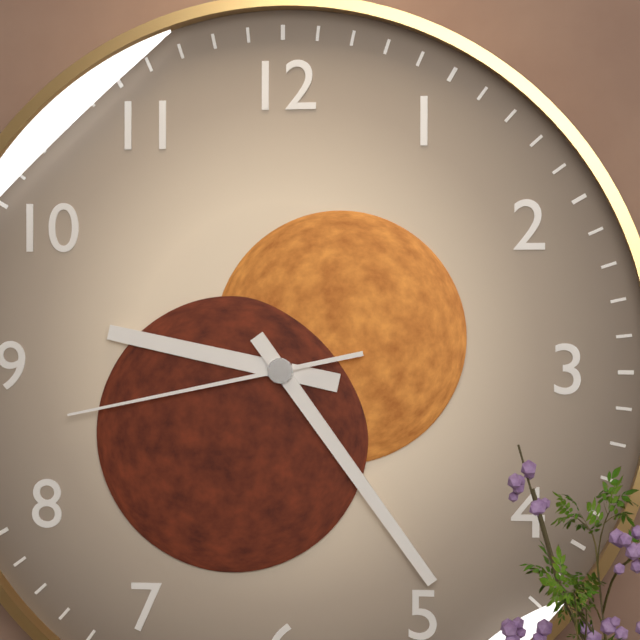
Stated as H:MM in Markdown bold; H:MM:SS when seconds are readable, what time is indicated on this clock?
**9:24:43**
